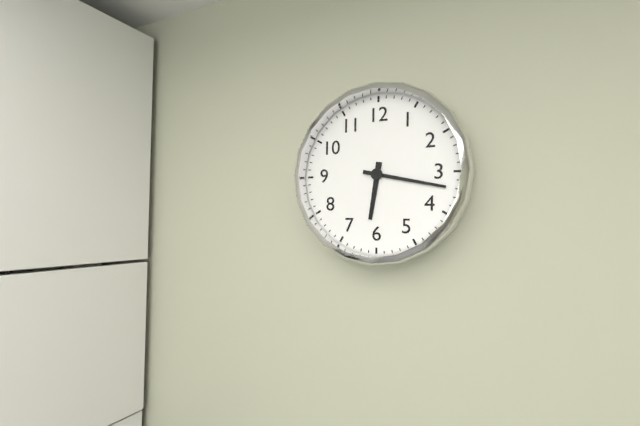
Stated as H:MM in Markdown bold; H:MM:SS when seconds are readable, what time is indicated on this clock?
**6:17**
